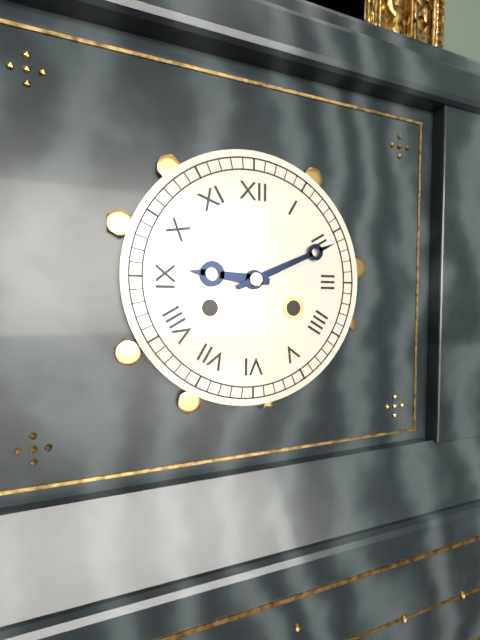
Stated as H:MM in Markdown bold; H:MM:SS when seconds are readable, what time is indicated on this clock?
**9:11**
